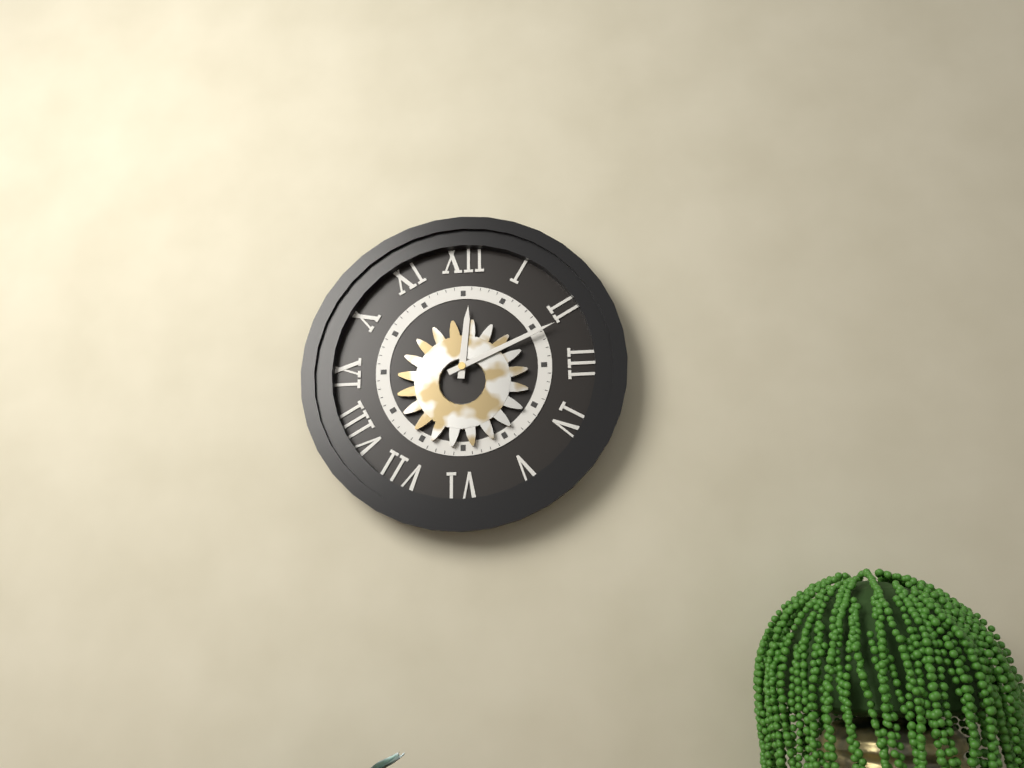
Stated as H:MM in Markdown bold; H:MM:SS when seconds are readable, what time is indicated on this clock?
**12:11**
